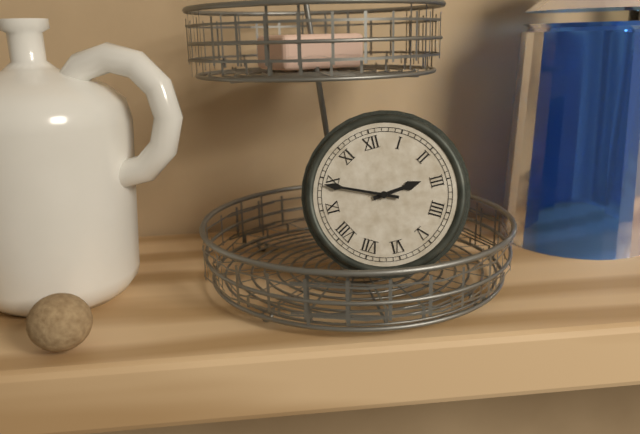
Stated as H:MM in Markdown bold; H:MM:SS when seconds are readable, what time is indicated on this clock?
**2:49**
